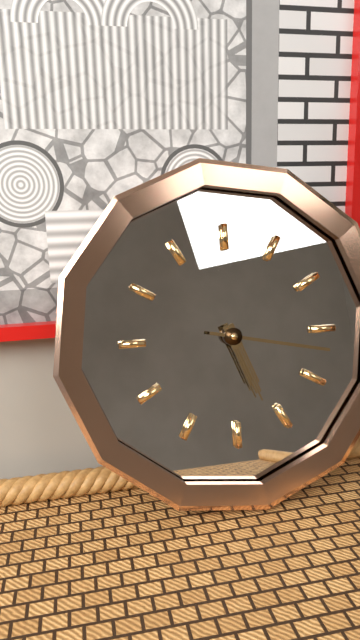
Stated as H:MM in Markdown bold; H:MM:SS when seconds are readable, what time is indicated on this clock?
**5:17**
